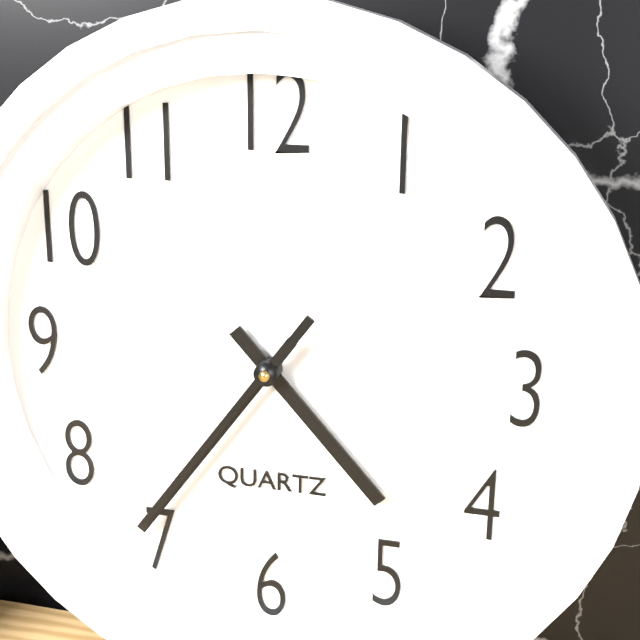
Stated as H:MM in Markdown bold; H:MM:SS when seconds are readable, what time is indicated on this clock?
**4:36:36**
